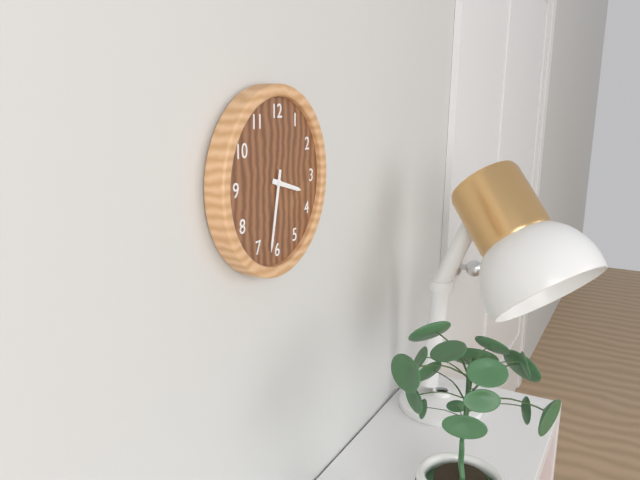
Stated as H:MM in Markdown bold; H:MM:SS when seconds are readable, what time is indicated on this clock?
**3:32**
